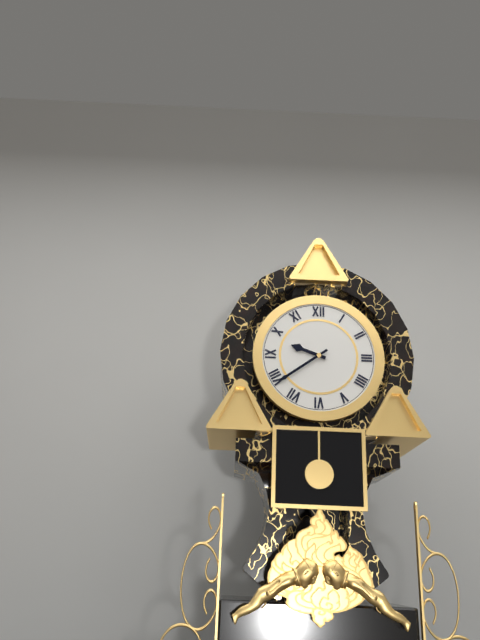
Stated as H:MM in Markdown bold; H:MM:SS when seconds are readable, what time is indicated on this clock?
**9:39**
